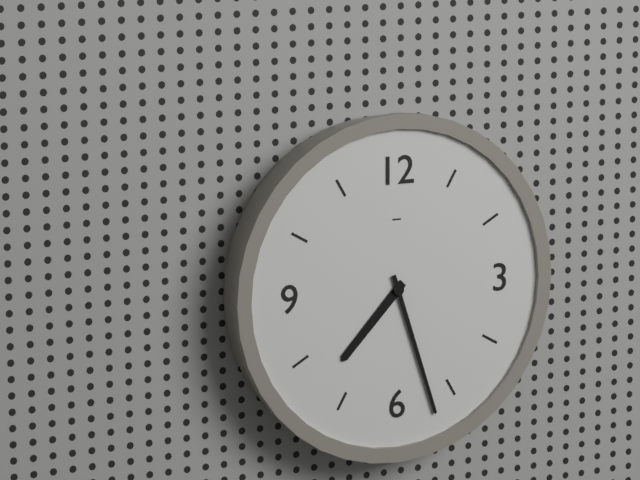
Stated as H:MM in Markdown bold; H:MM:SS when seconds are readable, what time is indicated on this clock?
**7:27**
